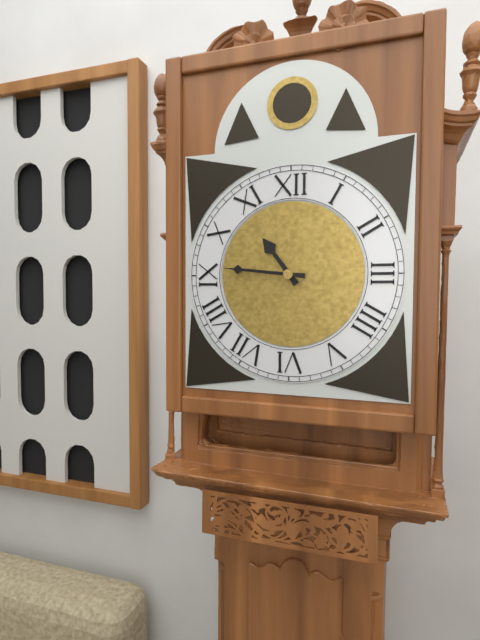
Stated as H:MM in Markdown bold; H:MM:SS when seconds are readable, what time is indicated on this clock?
**10:46**
